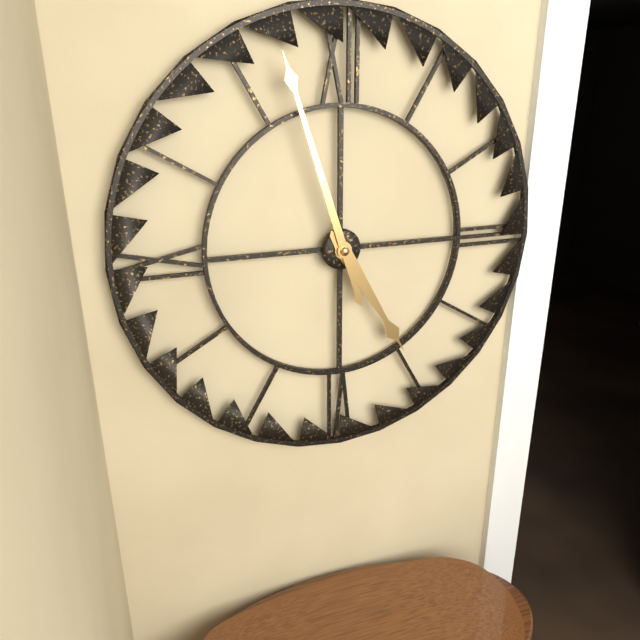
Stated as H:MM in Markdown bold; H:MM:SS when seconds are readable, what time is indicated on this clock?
**4:57**
